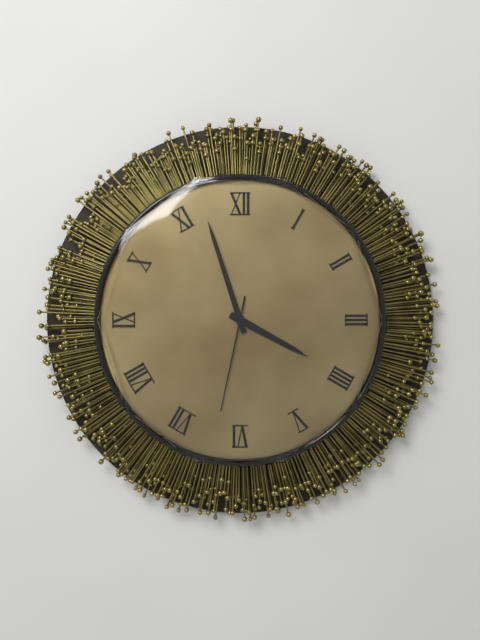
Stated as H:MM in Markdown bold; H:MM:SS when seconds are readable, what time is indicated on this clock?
**3:57:32**
